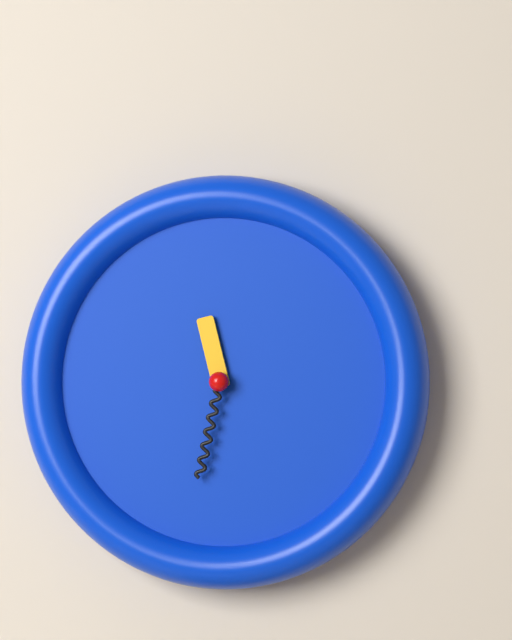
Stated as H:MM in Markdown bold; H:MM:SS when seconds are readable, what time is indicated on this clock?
**11:32**
